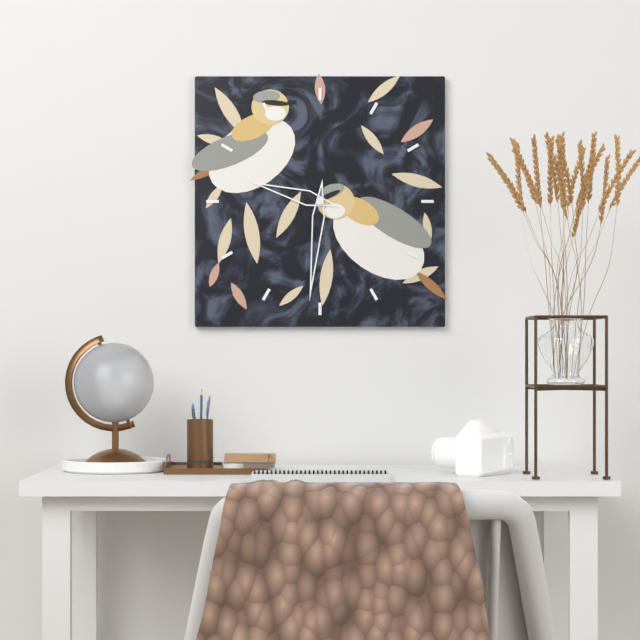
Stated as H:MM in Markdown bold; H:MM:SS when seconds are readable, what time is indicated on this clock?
**9:31**
